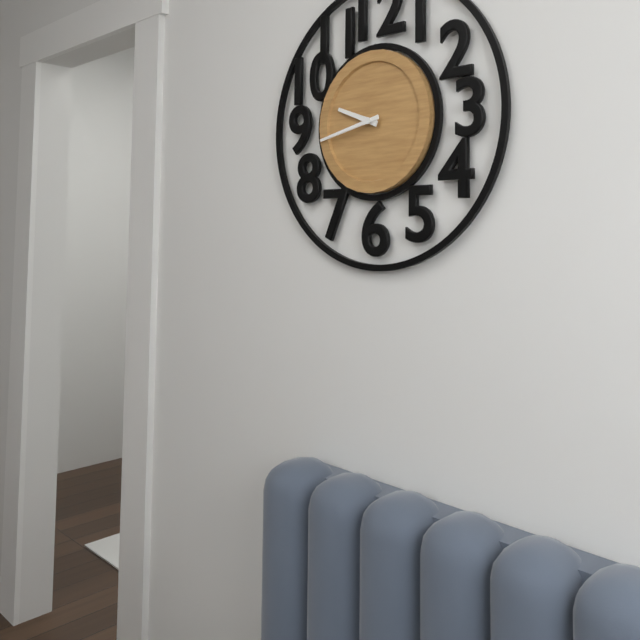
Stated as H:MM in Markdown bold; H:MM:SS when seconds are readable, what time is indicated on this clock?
**9:43**
